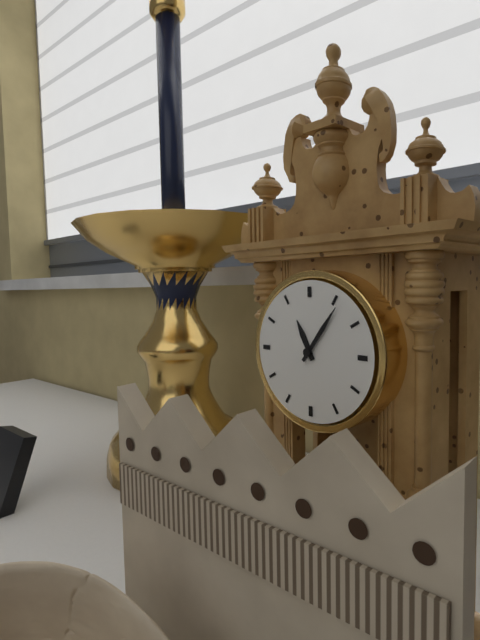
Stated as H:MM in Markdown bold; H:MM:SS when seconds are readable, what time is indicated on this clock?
**11:06**
